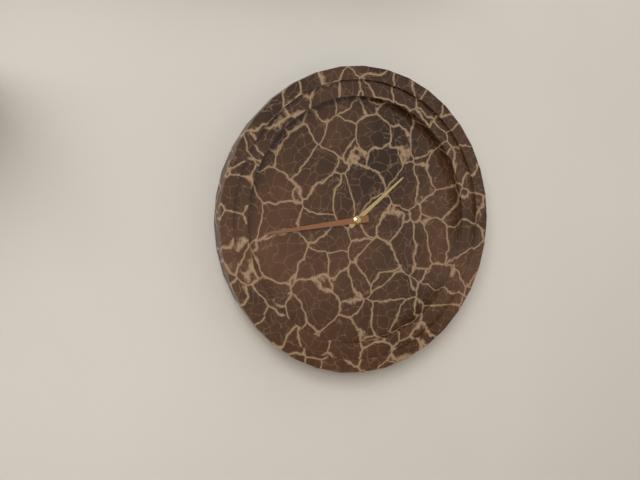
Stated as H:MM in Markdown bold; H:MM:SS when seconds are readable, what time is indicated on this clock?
**1:44**
